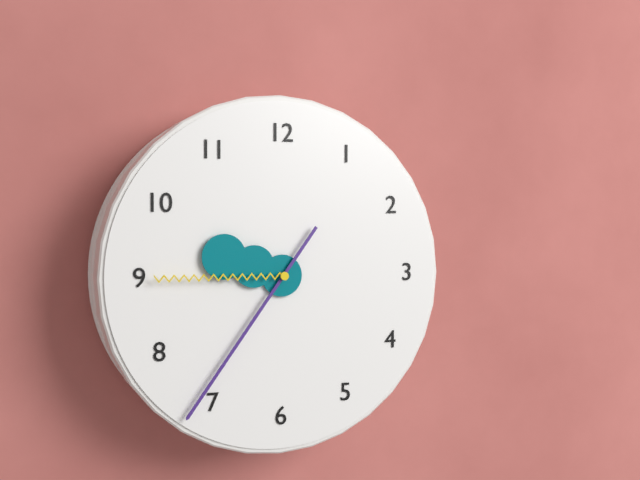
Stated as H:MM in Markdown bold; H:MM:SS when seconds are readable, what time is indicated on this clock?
**9:36:45**
